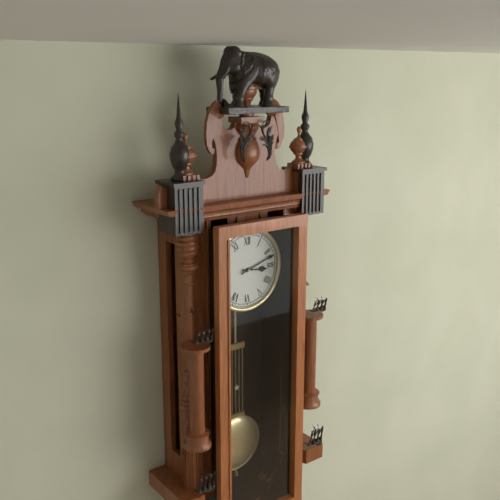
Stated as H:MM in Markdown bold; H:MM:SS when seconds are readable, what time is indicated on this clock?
**3:12**
